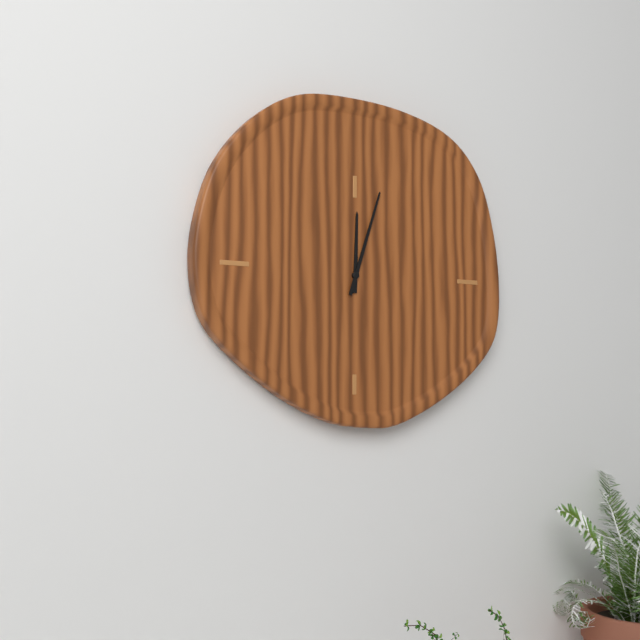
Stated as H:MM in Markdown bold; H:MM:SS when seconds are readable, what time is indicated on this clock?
**12:03**
